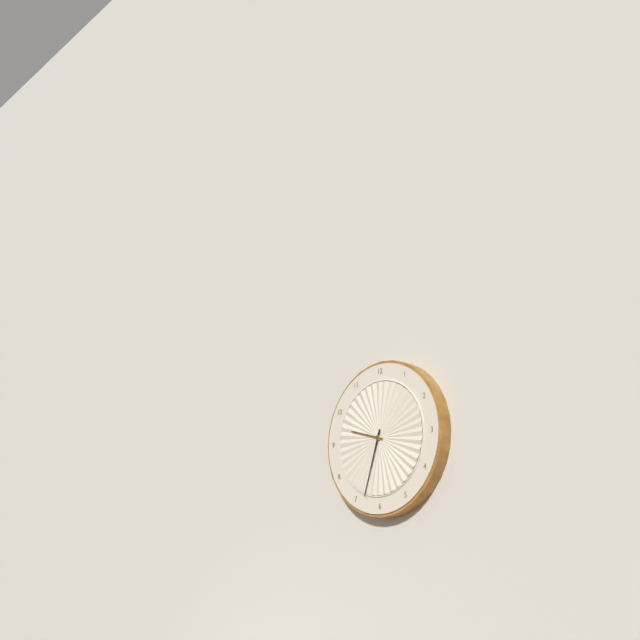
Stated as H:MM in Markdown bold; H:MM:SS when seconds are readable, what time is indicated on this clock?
**9:33**
